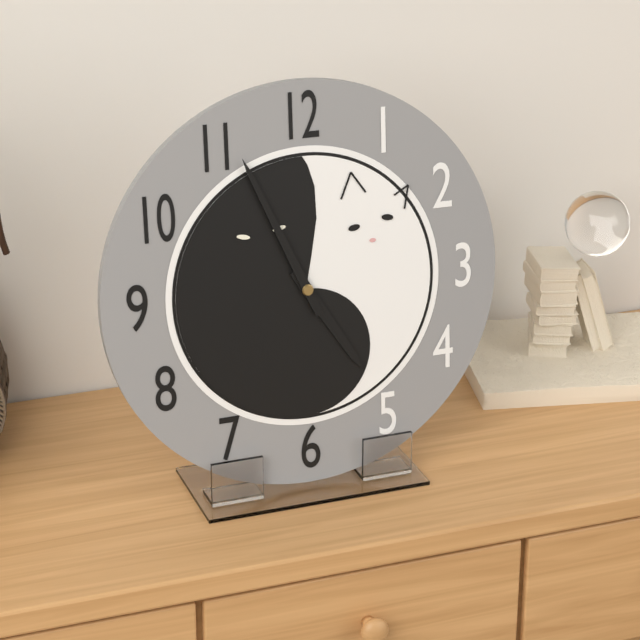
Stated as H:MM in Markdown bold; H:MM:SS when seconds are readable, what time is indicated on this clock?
**4:56**
